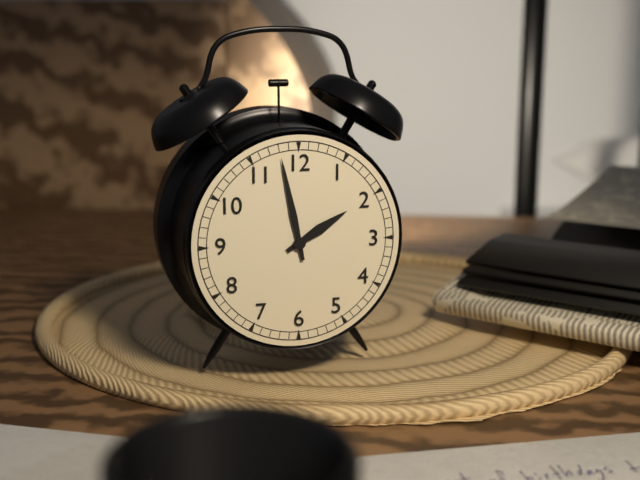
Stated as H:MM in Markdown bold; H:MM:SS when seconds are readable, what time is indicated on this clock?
**1:58**
